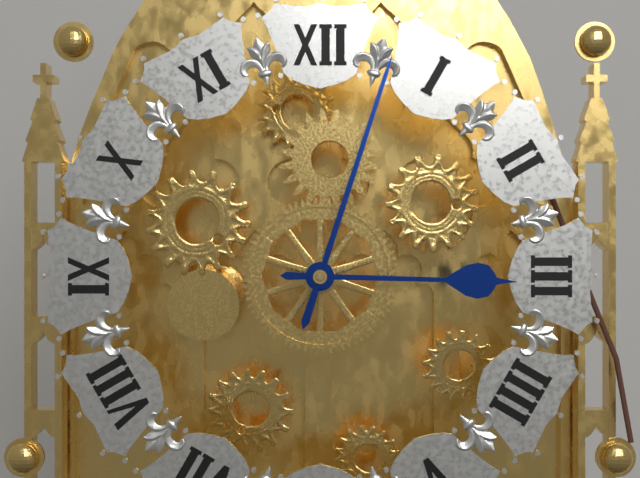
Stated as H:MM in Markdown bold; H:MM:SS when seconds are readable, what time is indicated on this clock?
**3:03**
